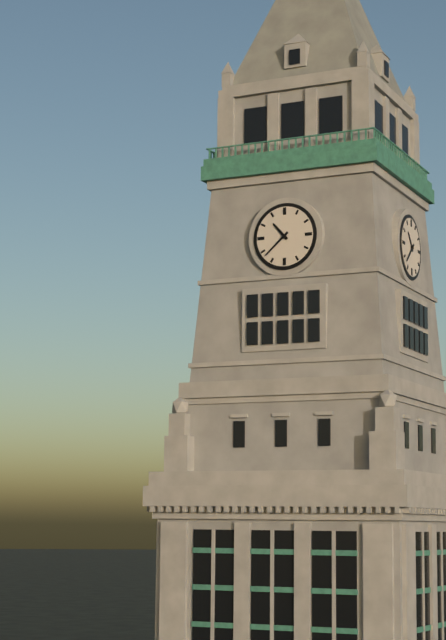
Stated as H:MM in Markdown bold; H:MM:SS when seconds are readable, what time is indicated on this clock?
**10:38**
